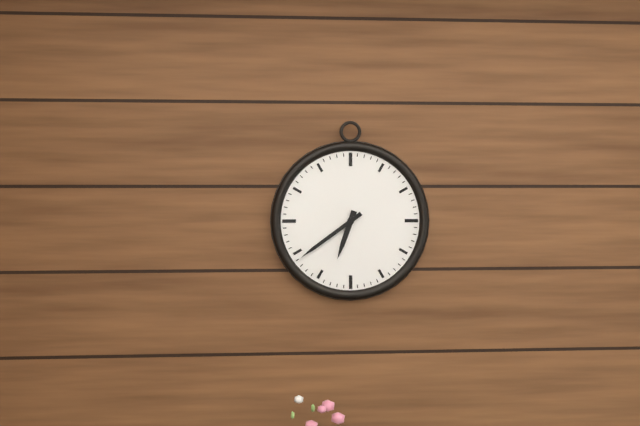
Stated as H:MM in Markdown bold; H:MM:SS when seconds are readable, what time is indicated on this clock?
**6:39**
